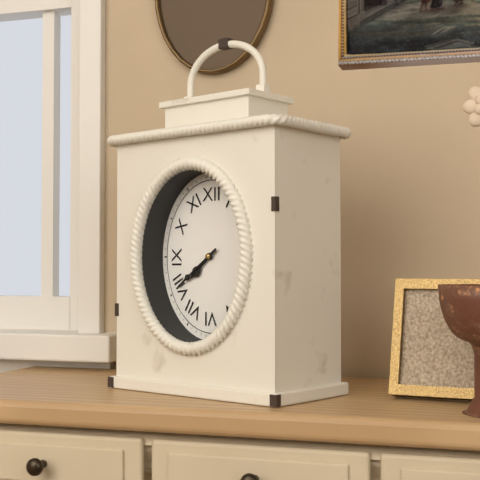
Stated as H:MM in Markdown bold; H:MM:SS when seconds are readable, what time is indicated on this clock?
**7:39**
